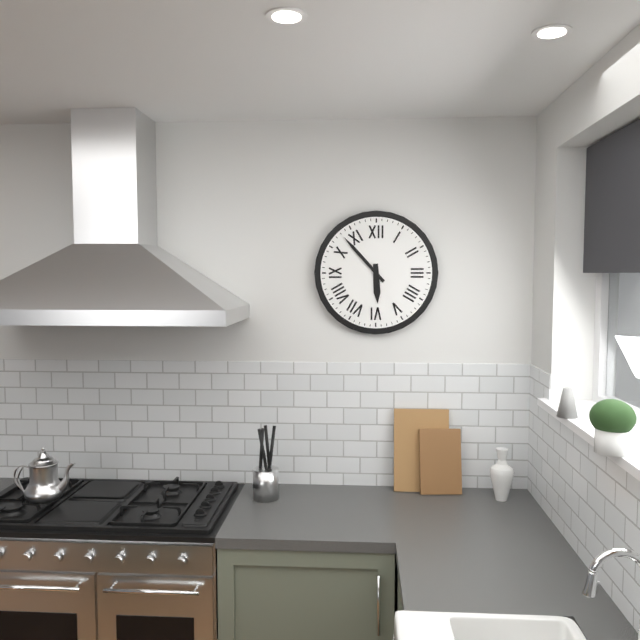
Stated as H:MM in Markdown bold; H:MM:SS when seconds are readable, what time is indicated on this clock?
**5:53**
